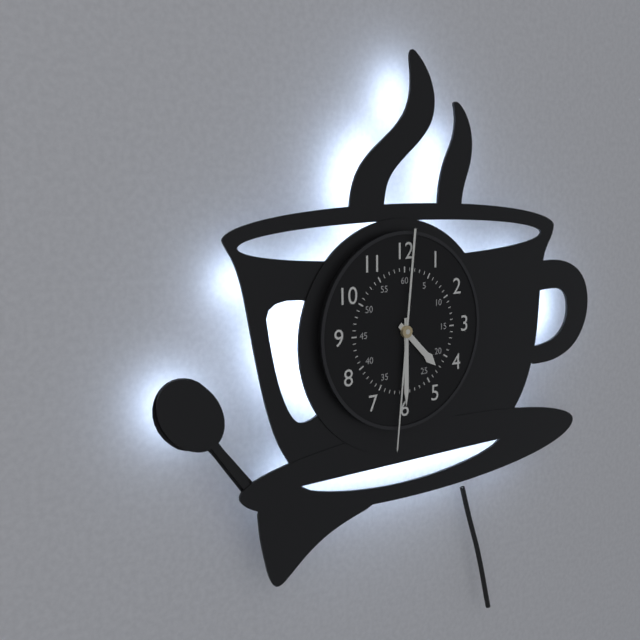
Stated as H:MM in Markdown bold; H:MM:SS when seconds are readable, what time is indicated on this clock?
**4:30:31**
